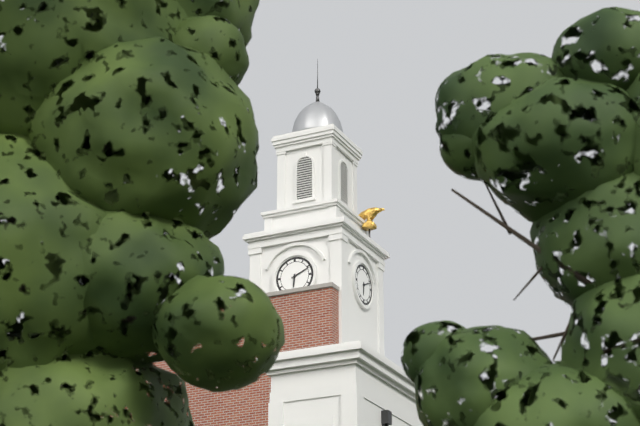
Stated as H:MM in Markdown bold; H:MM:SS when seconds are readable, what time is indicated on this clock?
**6:11**
